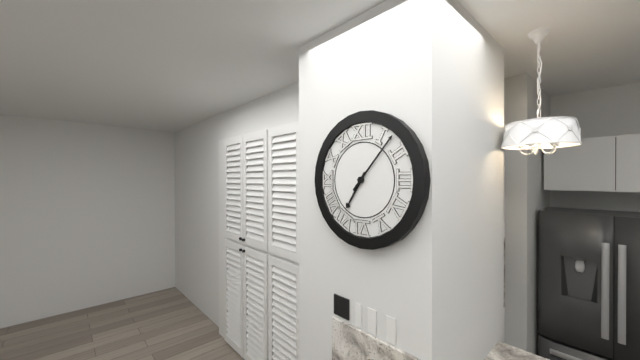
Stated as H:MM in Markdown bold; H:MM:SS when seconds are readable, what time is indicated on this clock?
**7:07**
